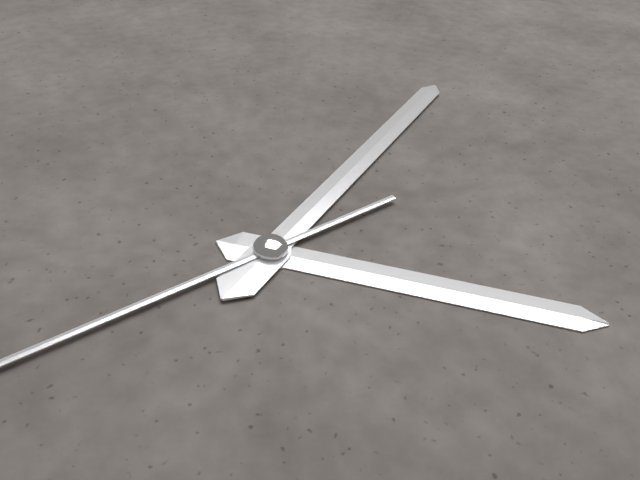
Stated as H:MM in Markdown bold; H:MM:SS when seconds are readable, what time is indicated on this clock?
**4:08**
